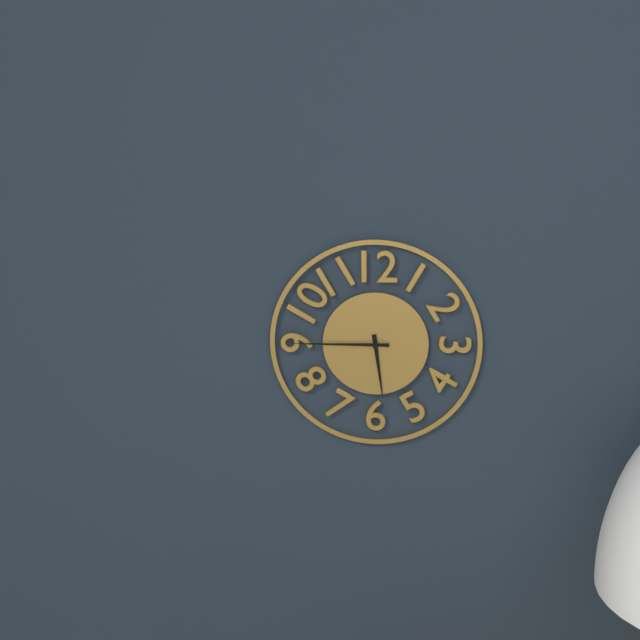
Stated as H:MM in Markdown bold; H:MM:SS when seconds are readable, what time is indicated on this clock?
**5:45**
